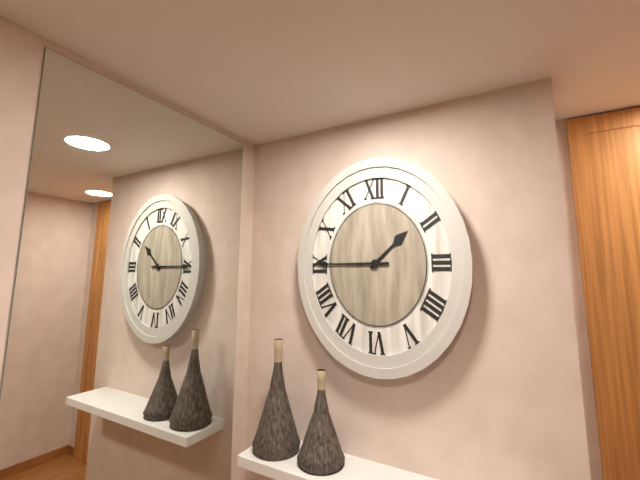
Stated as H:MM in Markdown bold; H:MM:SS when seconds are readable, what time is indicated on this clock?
**1:45**
